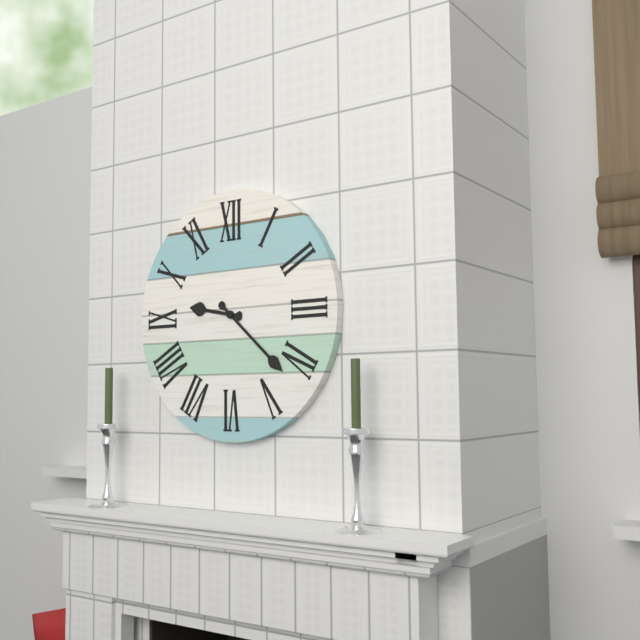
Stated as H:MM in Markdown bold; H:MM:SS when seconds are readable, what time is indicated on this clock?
**9:22**
